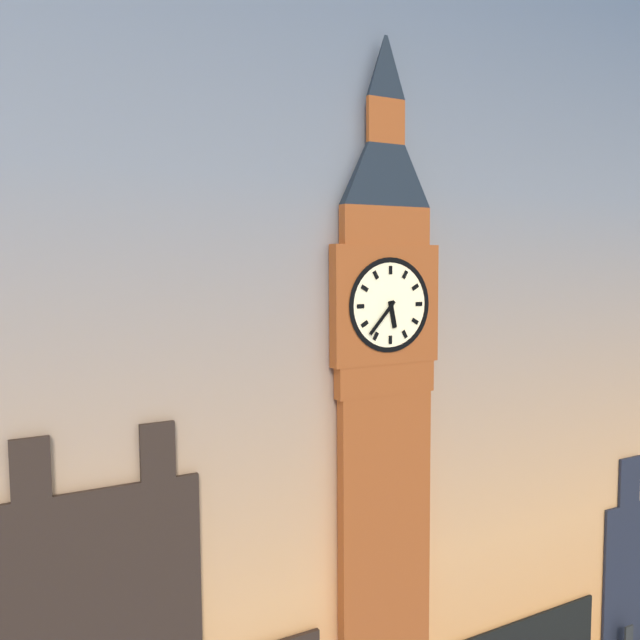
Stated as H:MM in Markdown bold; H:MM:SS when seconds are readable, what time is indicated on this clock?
**5:37**
